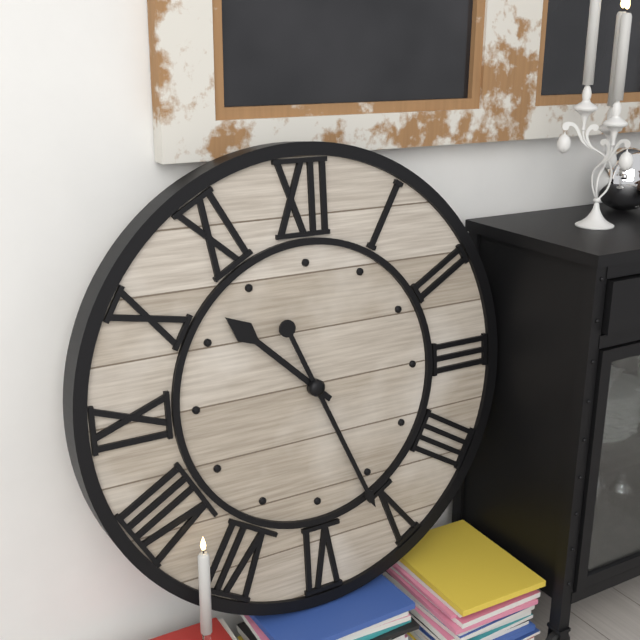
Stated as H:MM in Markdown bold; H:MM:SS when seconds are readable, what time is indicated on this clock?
**10:26**
